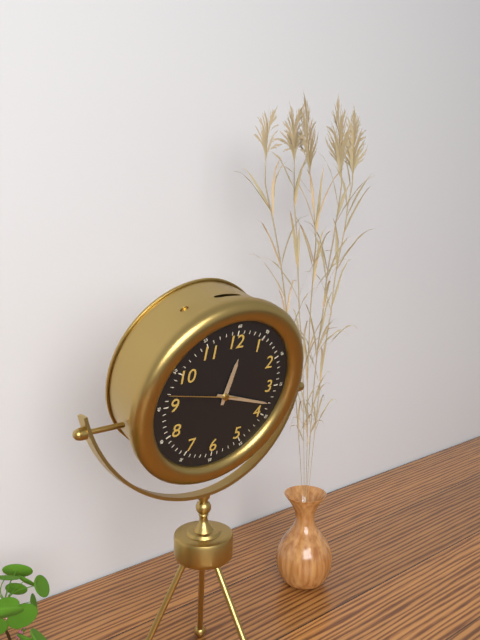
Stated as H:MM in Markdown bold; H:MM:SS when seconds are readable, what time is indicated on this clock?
**12:18:47**
